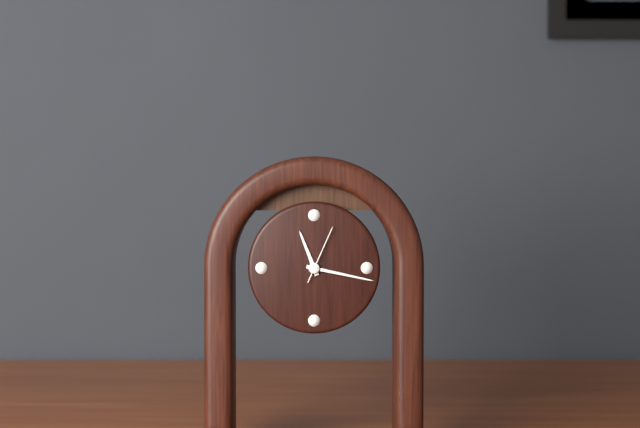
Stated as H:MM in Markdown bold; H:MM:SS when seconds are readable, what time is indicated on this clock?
**11:17:04**
